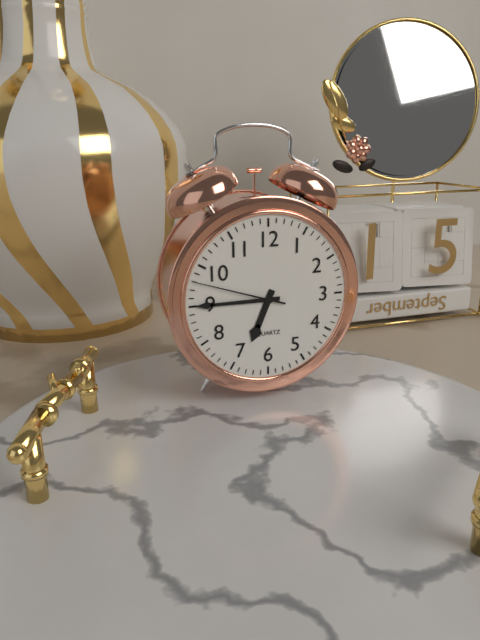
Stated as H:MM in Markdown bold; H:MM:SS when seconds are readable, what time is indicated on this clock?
**6:45:48**
